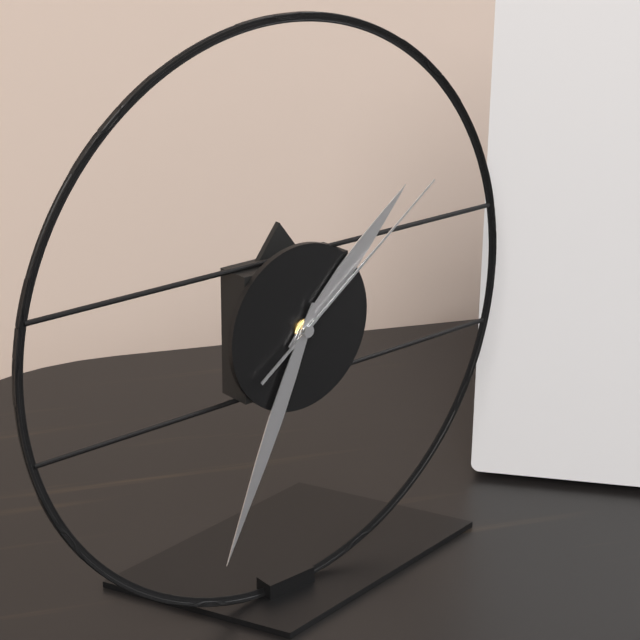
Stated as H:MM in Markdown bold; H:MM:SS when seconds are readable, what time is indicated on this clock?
**1:34:09**
